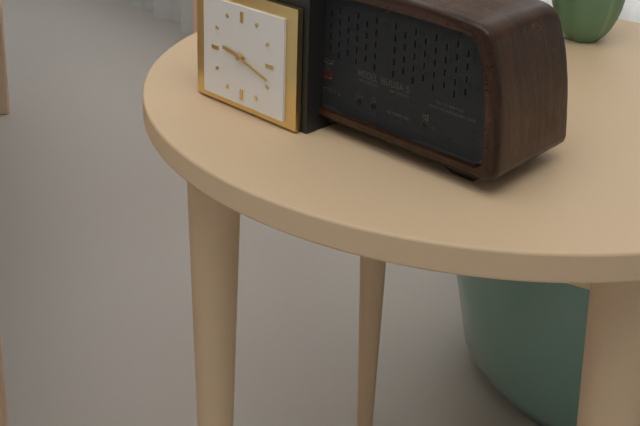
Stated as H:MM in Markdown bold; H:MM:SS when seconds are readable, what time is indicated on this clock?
**9:18**
